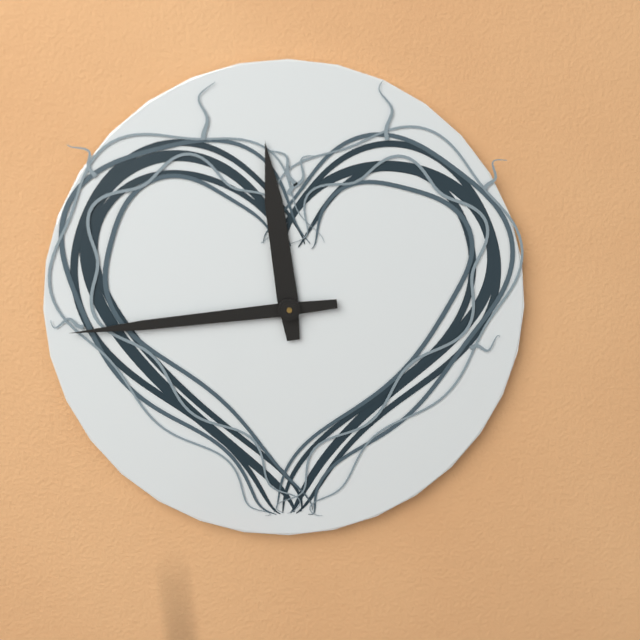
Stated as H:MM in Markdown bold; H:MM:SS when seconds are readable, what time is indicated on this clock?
**11:44**
